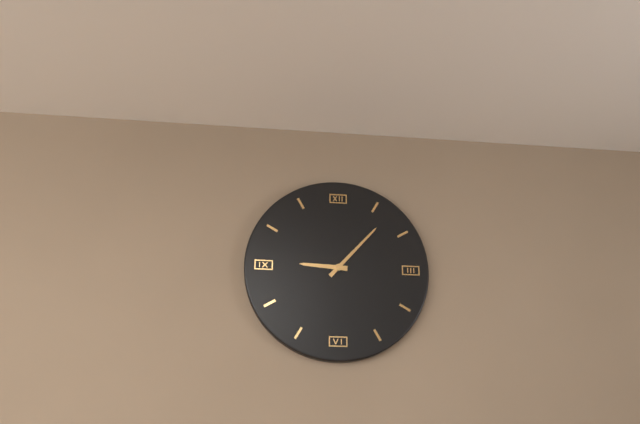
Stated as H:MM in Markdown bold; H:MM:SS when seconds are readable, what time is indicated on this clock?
**9:07**
